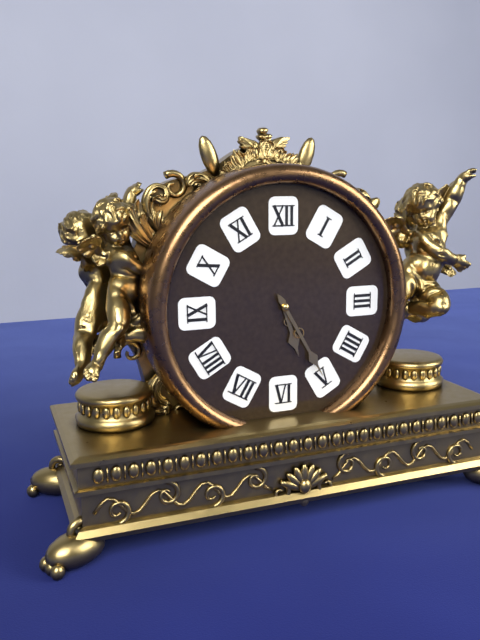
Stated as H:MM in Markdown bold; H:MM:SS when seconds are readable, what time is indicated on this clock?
**5:25**
